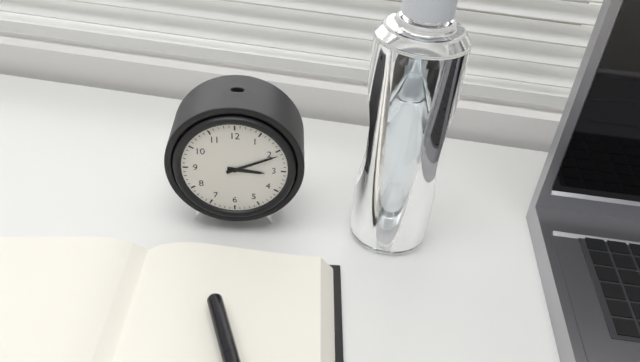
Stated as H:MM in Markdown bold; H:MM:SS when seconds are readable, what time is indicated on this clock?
**3:11**
